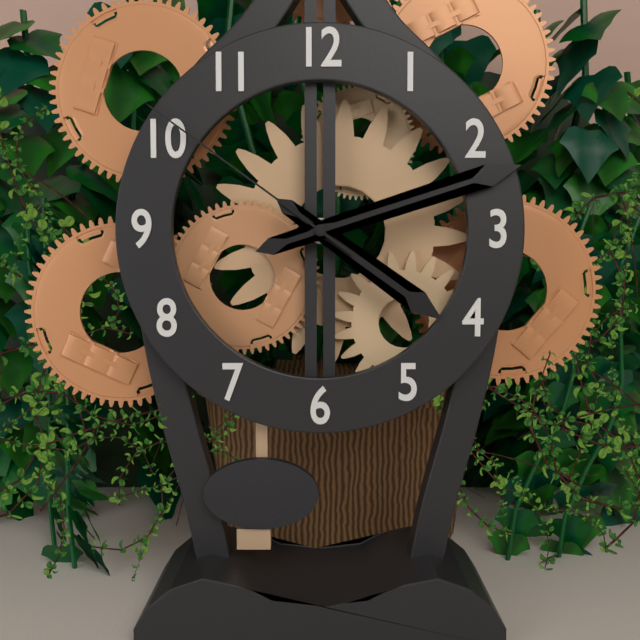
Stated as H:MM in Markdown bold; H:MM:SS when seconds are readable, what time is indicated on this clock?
**4:12:51**
